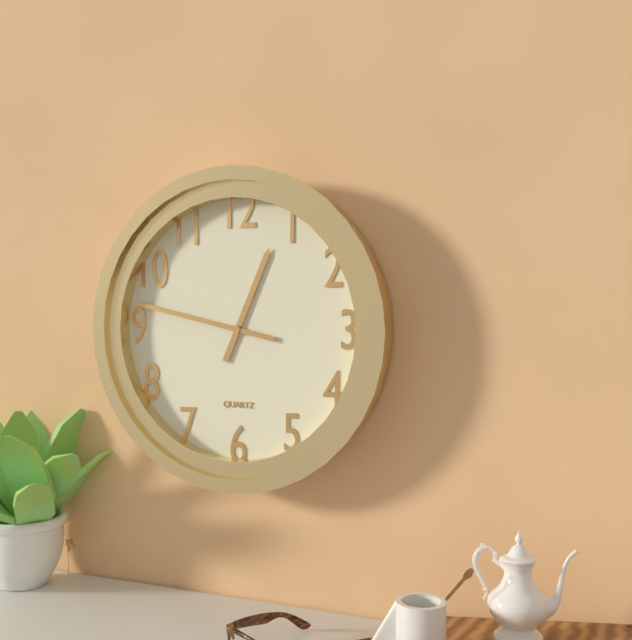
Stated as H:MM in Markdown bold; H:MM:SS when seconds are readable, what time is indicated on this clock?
**12:47**
